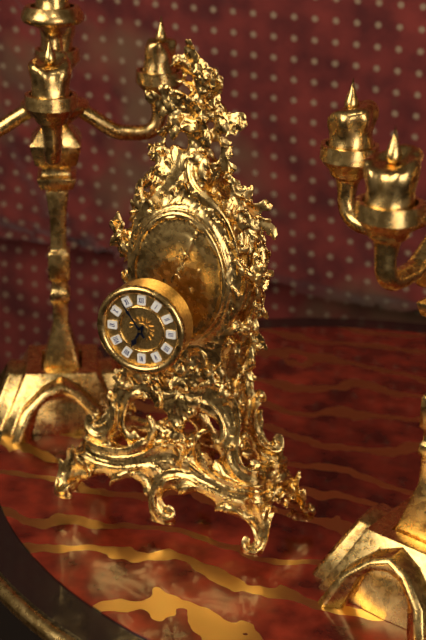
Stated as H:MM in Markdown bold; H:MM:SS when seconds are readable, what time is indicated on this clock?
**6:54**
